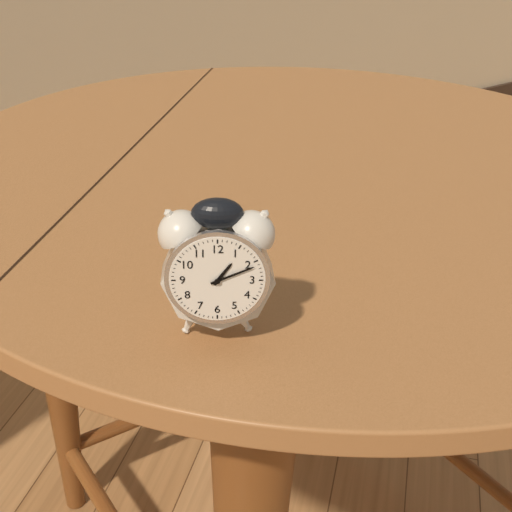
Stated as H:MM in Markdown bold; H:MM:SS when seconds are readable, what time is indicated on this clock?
**1:11**
